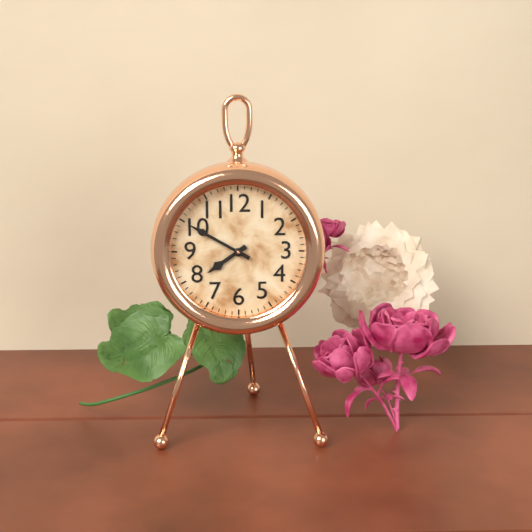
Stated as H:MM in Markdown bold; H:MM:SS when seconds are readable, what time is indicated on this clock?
**7:50**
